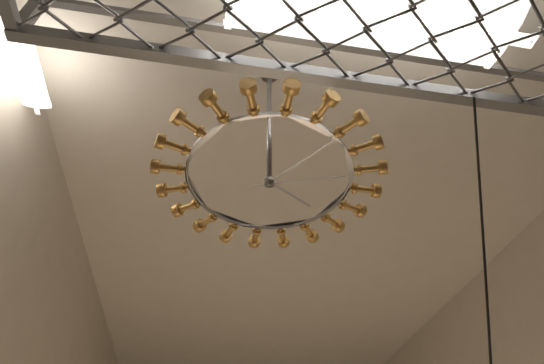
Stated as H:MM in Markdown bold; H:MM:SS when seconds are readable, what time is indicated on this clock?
**4:06:12**
